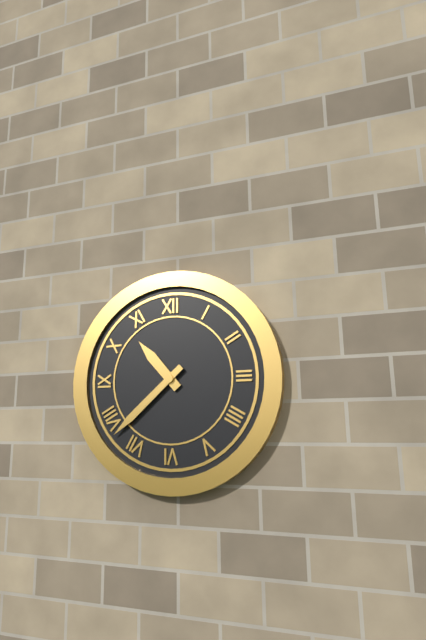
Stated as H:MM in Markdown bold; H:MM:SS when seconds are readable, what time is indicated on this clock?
**10:38**
